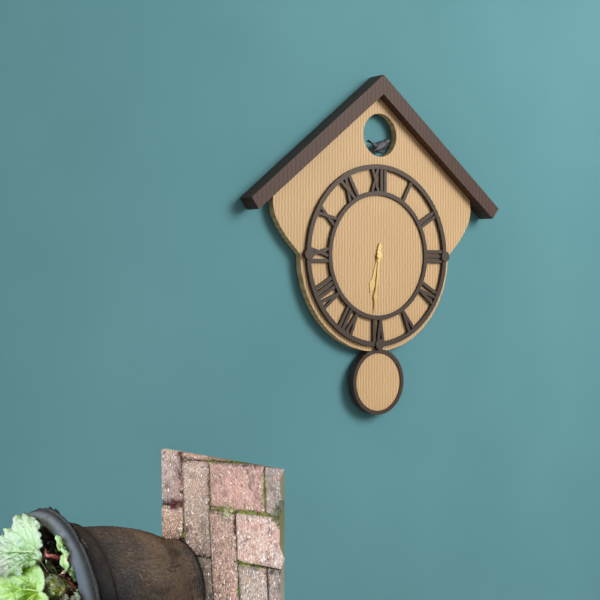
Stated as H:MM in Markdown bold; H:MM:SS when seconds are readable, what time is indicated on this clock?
**6:31**
